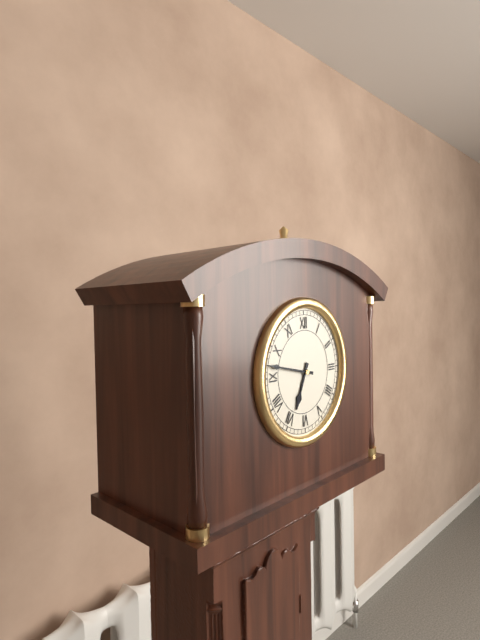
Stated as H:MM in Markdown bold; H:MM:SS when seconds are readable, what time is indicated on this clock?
**6:47**
